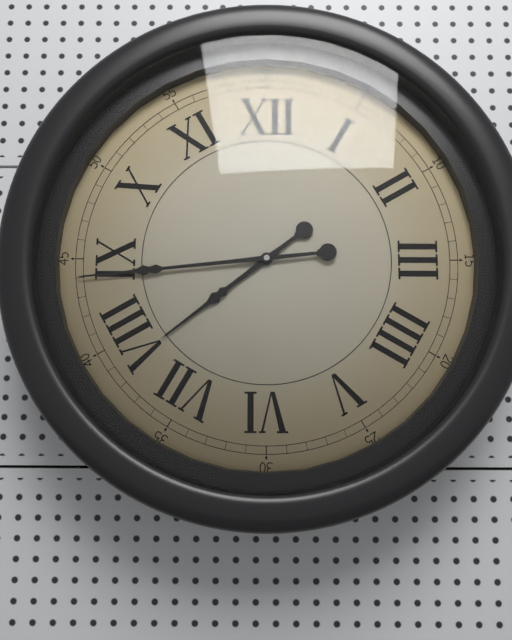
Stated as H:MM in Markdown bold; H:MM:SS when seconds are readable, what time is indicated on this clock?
**7:44**
